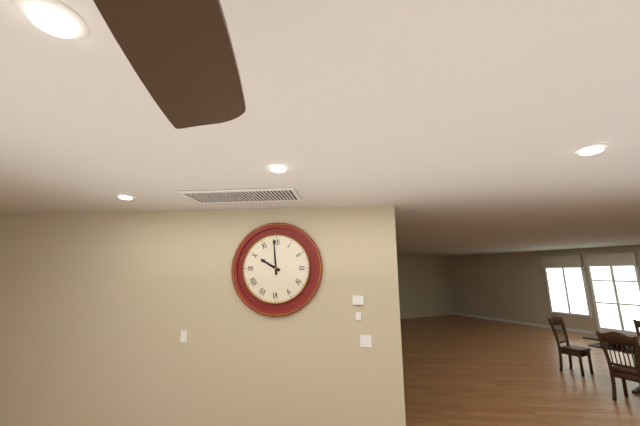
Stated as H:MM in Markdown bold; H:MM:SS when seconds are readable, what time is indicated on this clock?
**9:59**
